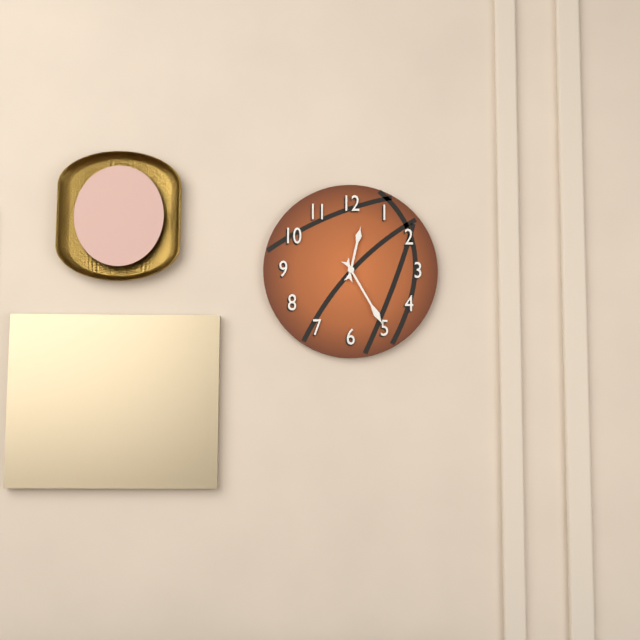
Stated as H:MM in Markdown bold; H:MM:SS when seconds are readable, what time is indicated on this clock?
**12:25**
